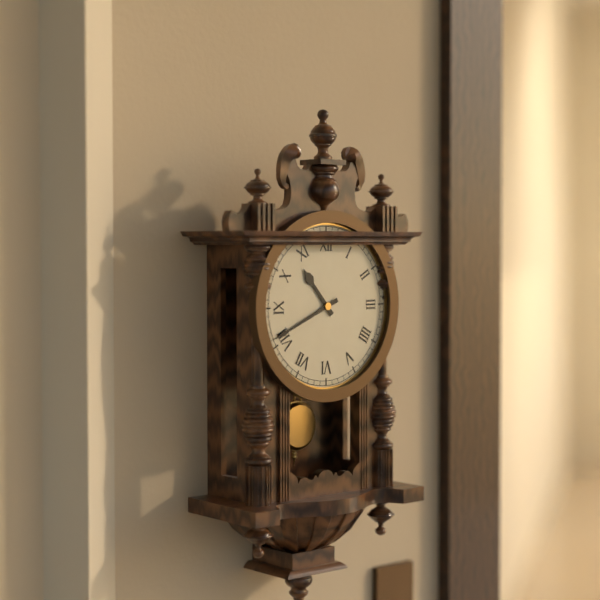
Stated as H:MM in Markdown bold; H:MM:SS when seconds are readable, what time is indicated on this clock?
**10:41**
